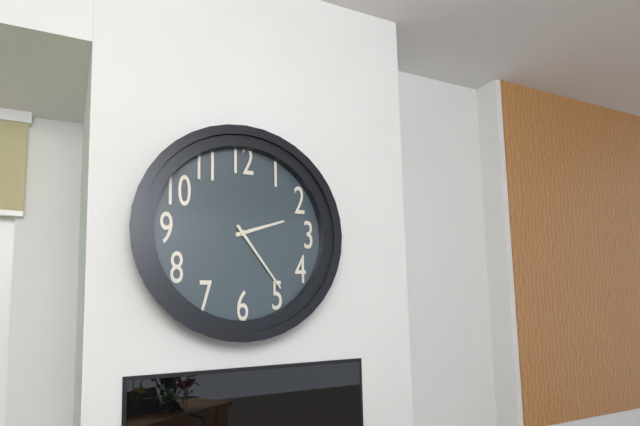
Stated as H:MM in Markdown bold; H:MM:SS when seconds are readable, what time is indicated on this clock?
**2:24**
